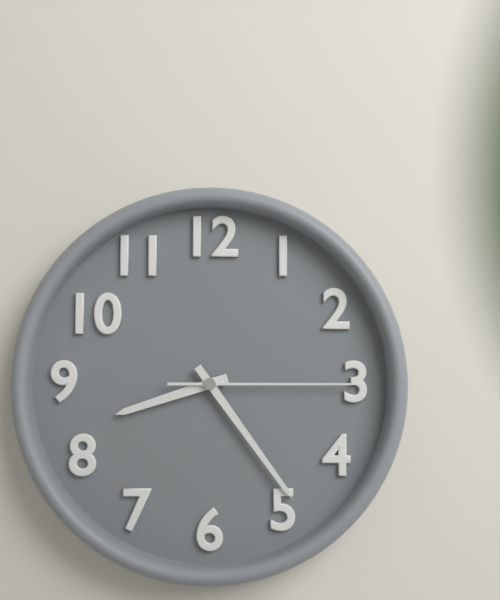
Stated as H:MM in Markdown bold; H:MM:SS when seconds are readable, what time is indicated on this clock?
**8:24:15**
